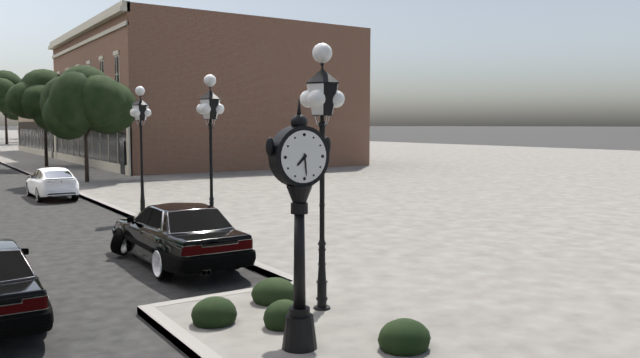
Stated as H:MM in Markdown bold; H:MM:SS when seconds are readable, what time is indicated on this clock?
**7:29**
